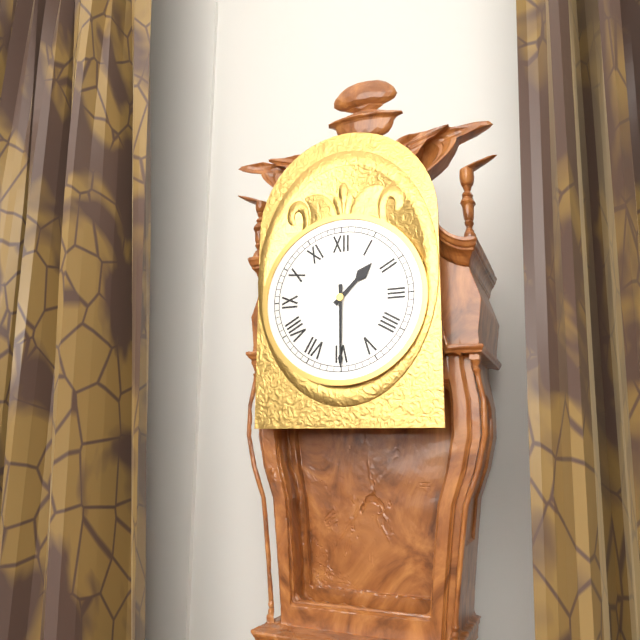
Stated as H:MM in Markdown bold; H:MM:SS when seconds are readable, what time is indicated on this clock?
**1:30**
